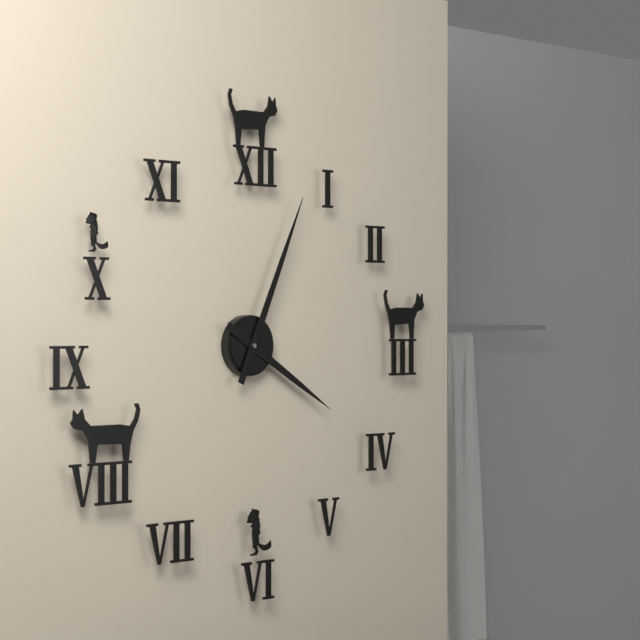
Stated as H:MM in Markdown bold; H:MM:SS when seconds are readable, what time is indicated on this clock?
**4:04**
